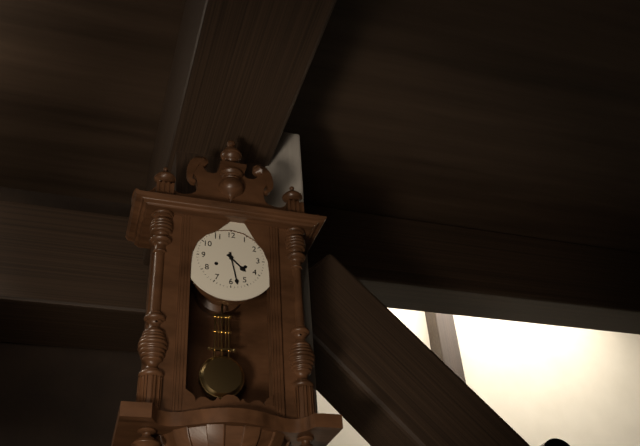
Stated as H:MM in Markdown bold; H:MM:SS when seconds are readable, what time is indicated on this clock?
**4:28**
